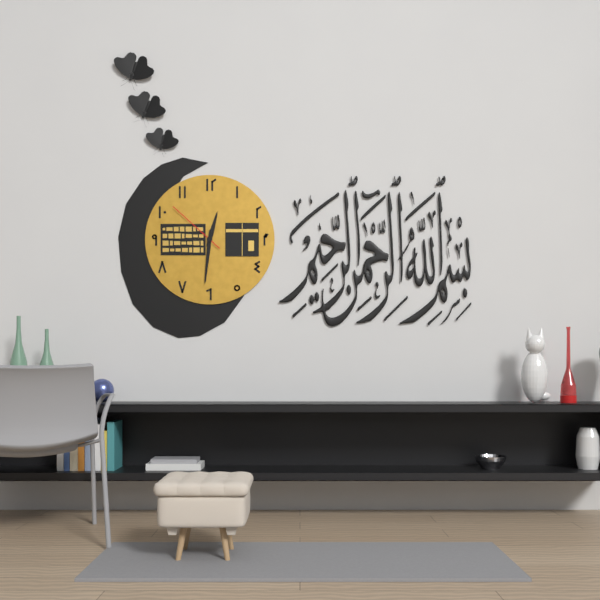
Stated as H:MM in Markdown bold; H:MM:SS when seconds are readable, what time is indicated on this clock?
**12:31:52**
